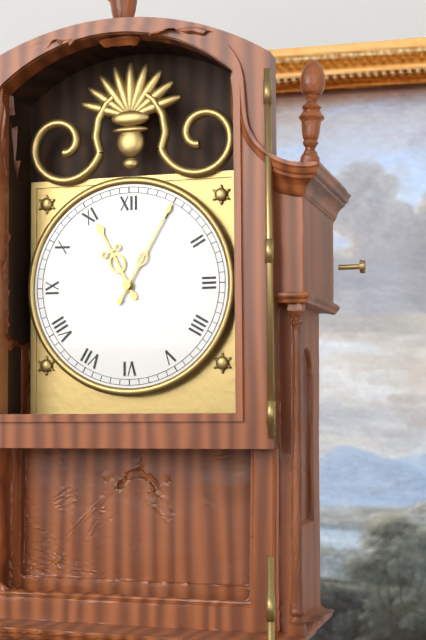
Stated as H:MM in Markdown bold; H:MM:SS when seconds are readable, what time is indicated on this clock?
**11:05**
